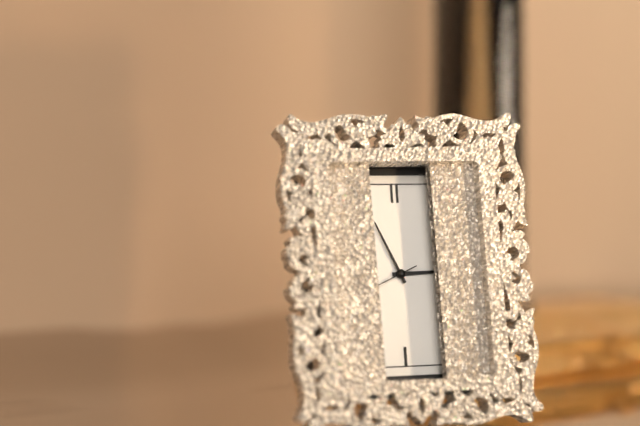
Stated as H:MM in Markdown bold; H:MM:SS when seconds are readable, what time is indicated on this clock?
**2:56**
